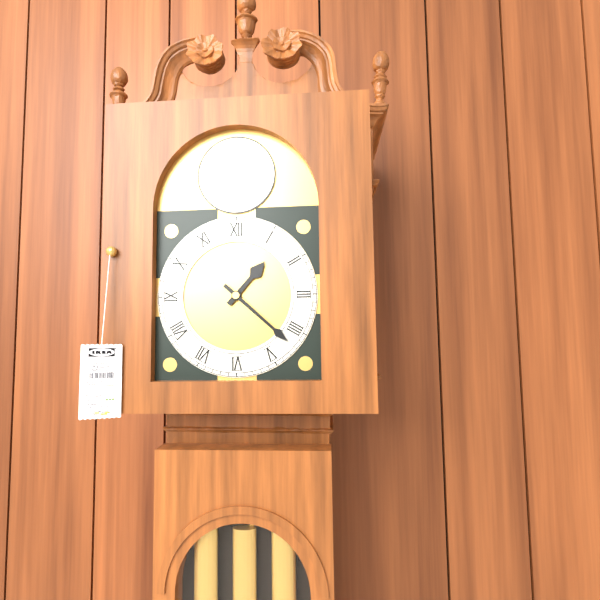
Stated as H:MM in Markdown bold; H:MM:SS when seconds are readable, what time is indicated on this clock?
**1:22**
